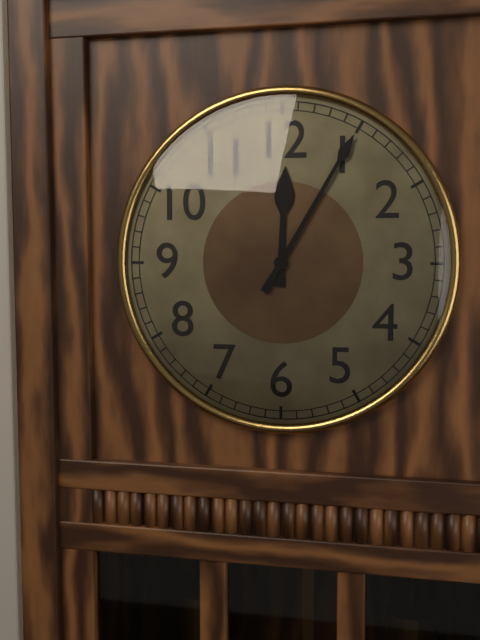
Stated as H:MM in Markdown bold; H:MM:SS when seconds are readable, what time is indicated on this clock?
**12:05**
